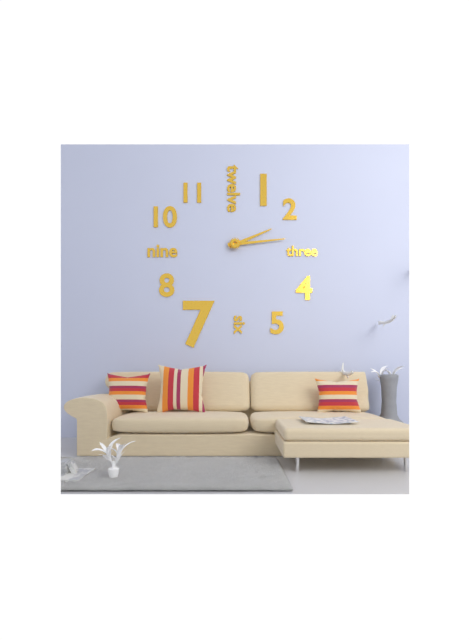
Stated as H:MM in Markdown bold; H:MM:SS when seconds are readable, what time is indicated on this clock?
**2:14**
